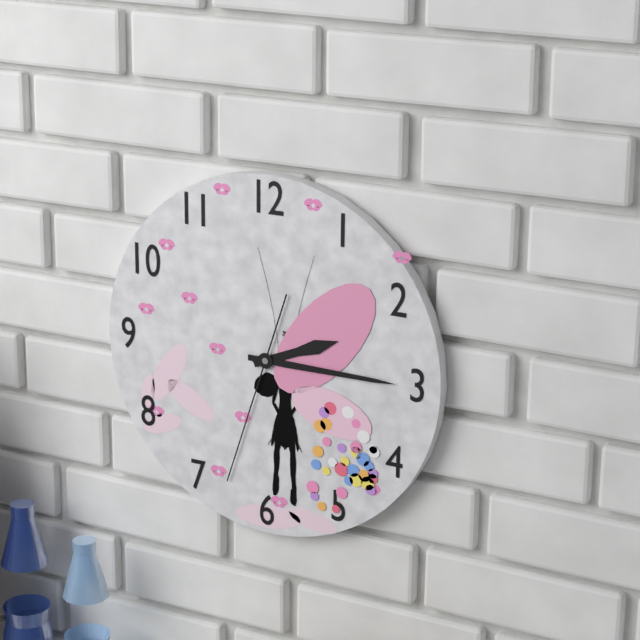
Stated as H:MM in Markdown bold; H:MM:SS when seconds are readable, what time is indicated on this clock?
**2:15:33**
